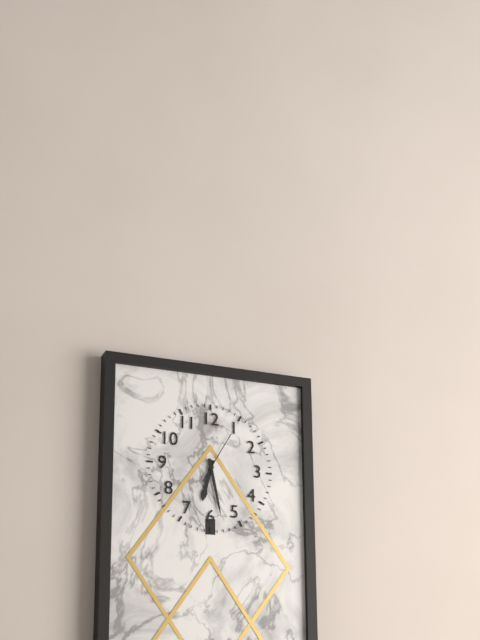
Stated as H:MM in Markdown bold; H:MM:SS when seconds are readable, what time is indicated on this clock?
**6:28**
